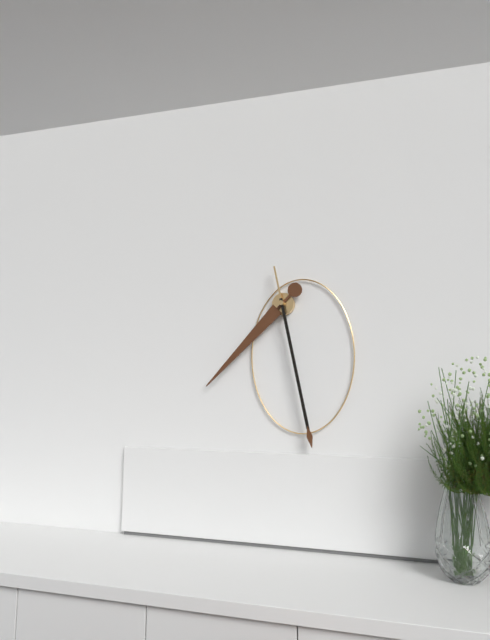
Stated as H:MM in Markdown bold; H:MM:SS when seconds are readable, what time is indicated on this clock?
**7:28**
